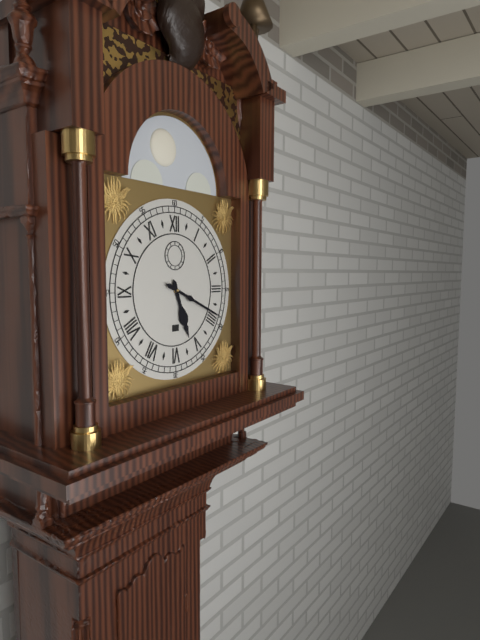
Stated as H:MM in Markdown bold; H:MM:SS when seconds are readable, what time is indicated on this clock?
**5:19**
